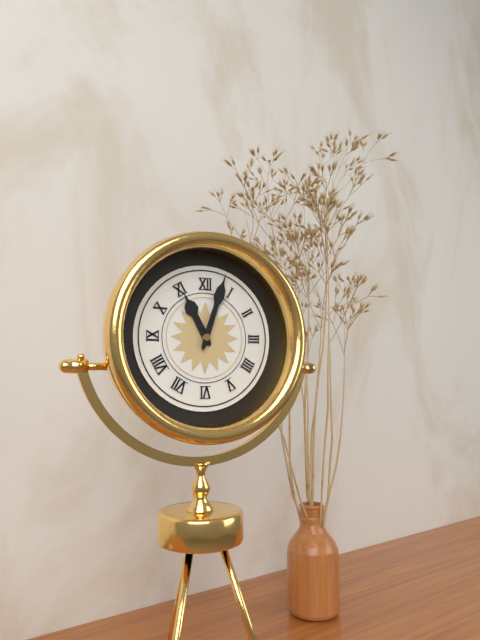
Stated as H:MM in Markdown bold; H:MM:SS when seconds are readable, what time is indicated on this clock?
**11:03**
